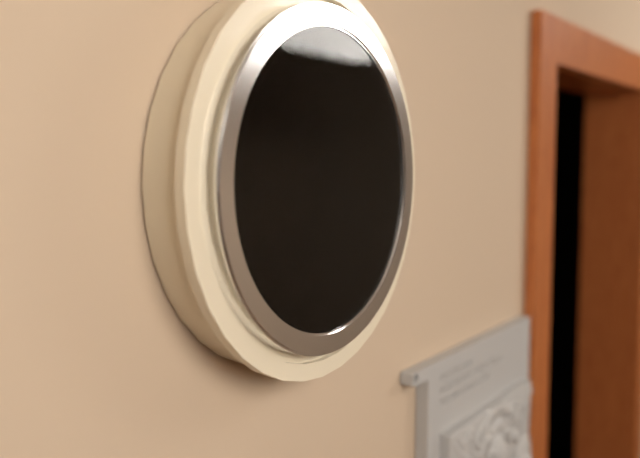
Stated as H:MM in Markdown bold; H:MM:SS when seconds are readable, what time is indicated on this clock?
**3:50**
